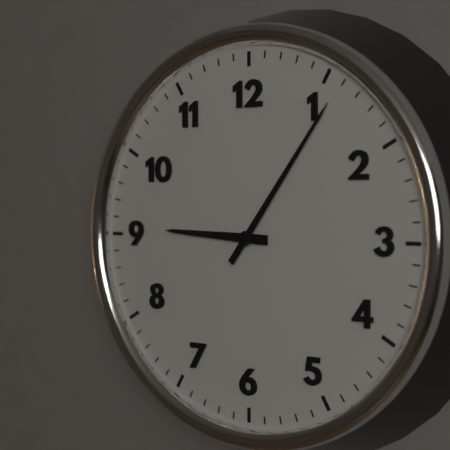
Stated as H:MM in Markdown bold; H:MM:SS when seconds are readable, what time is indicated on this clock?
**9:06**
